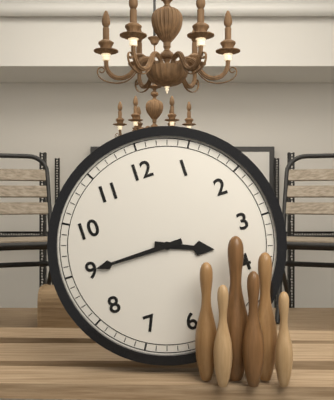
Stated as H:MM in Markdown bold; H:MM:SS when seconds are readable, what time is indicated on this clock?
**3:45**
